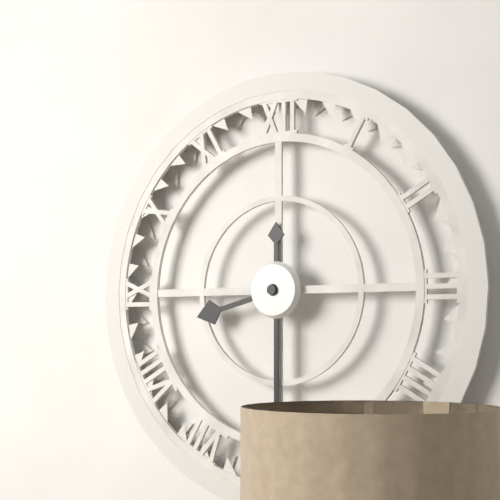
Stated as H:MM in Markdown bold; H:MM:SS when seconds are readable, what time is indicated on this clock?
**8:30**
